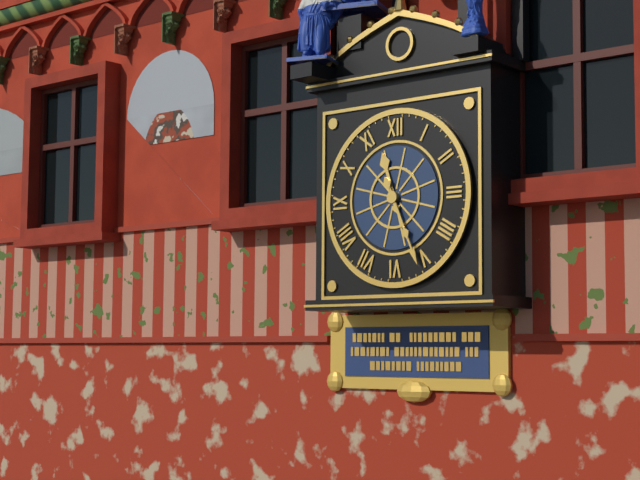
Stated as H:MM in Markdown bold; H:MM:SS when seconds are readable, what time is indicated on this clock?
**11:26**
